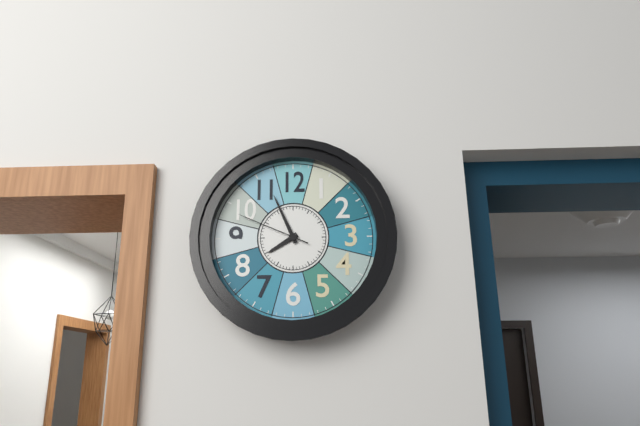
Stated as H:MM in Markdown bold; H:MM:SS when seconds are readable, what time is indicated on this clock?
**7:56:49**
